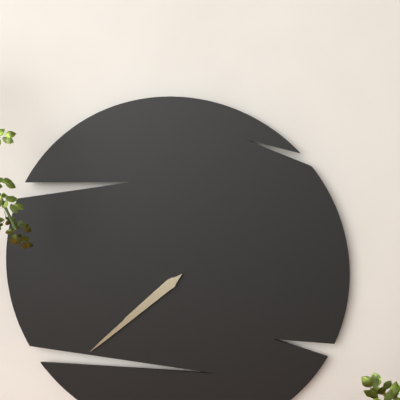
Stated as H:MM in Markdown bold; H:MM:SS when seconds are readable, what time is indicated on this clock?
**7:38**
